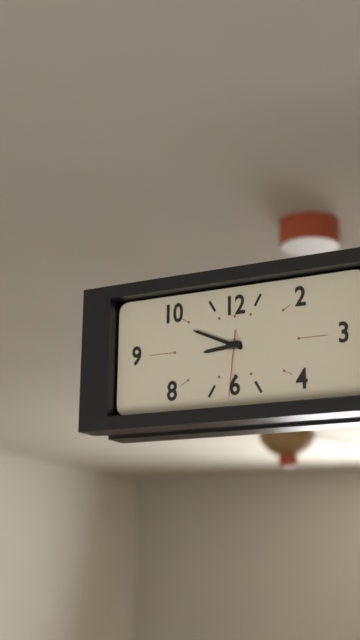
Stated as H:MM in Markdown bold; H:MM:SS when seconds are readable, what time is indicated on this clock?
**8:49:31**
